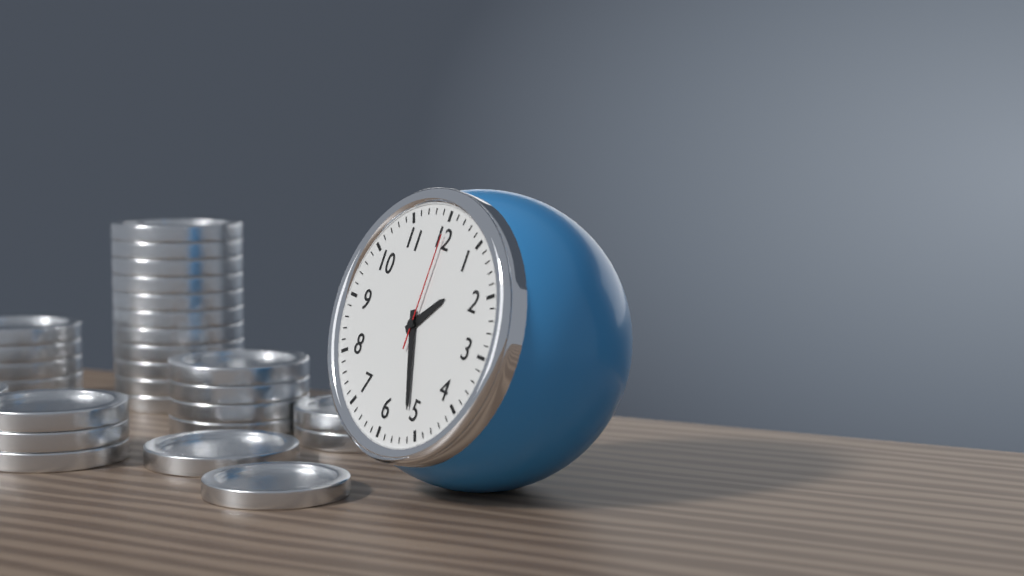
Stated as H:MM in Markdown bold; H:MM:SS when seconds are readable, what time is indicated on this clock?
**1:26:00**
